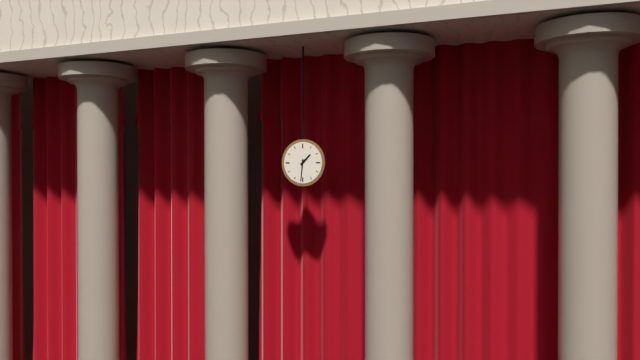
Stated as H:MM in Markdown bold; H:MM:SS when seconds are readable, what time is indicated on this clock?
**1:31**
